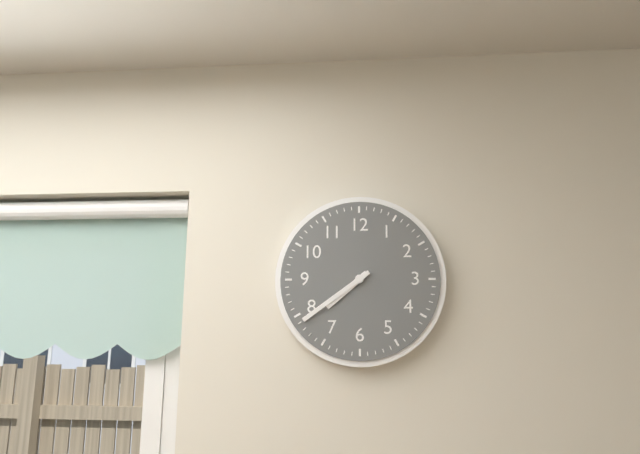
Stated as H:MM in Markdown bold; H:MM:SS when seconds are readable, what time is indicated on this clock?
**7:39**
